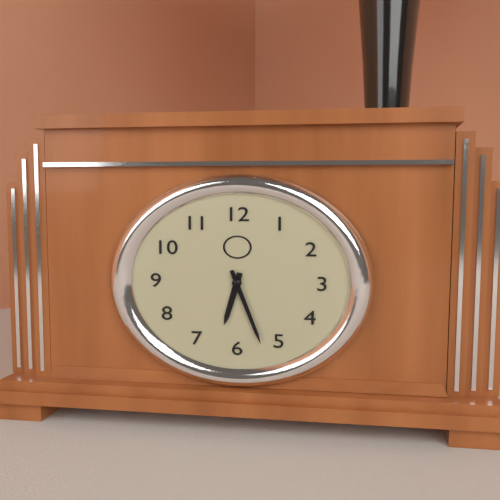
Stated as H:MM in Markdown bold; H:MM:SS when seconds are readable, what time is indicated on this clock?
**6:27**
